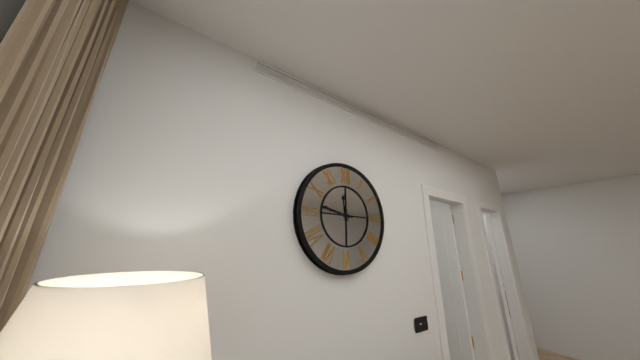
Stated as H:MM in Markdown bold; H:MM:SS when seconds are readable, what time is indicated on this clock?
**11:47**
